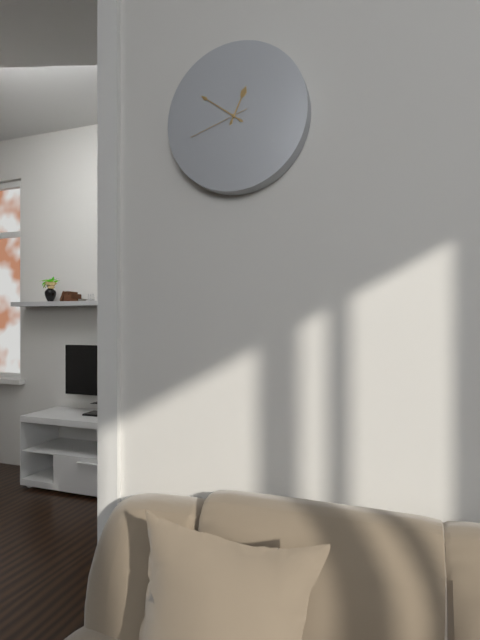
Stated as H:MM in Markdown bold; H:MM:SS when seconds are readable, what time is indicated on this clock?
**12:51:42**
